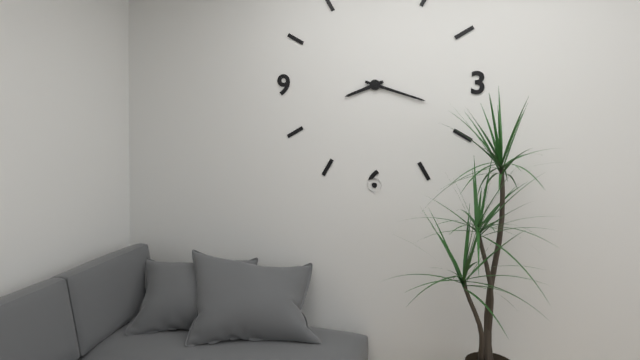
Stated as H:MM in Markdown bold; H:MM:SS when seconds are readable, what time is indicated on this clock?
**8:18**
